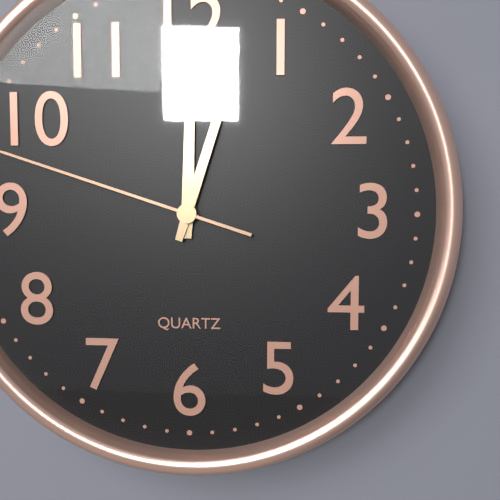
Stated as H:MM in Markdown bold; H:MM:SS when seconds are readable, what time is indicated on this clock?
**12:03**
